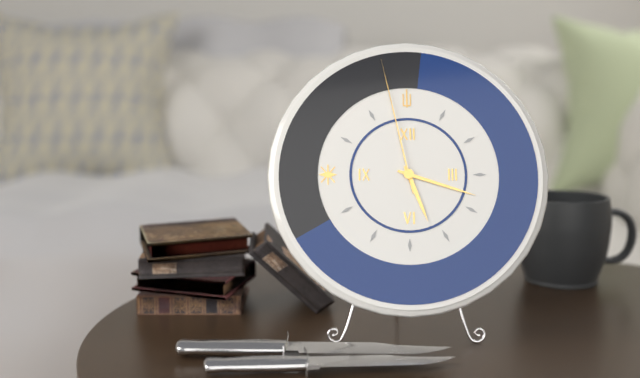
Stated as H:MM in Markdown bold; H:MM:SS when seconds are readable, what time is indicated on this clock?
**5:18:58**
